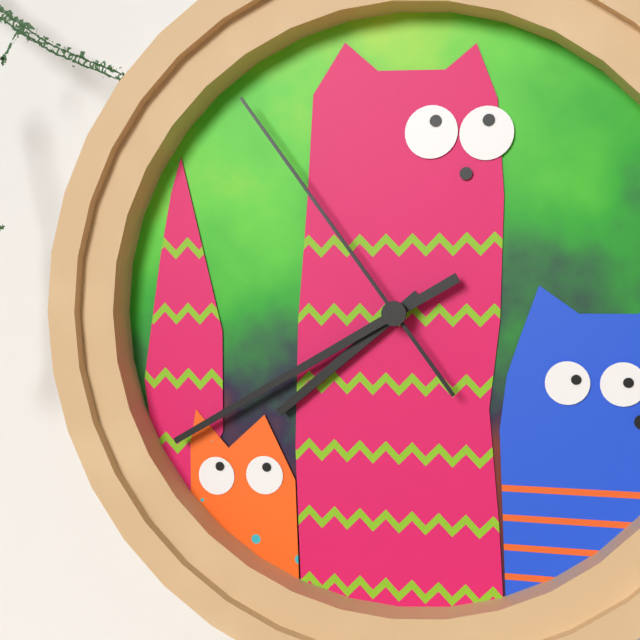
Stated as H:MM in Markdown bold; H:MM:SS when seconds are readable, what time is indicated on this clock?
**7:40:54**
